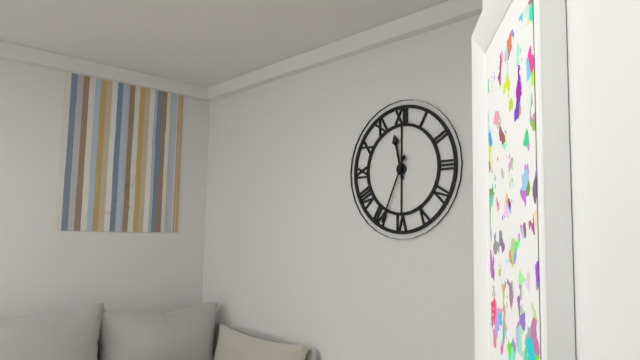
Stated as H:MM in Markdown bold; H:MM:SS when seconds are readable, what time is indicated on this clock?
**11:34**
